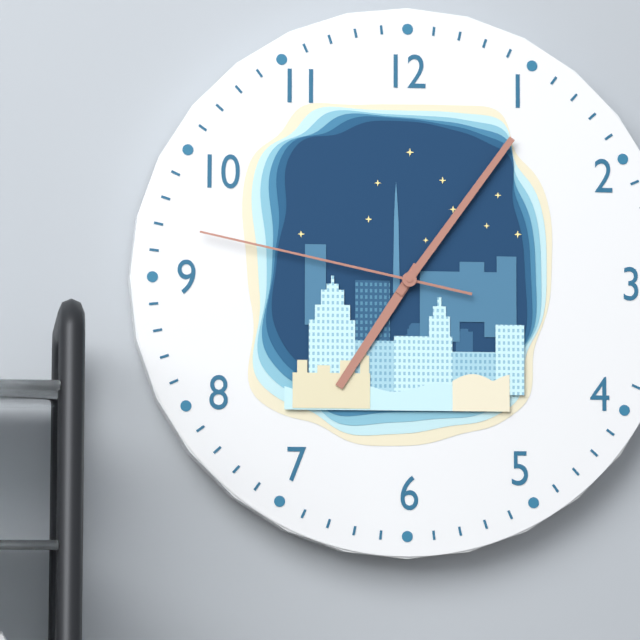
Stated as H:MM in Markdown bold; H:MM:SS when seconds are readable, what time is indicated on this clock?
**7:06:47**
